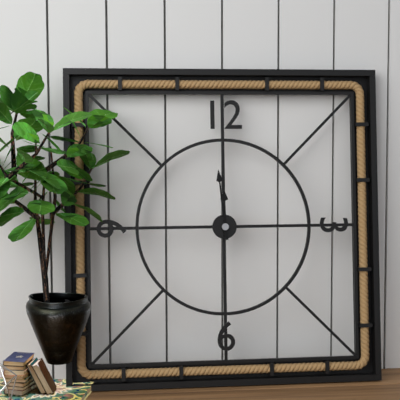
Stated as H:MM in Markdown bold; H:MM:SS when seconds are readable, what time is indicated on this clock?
**11:59**
